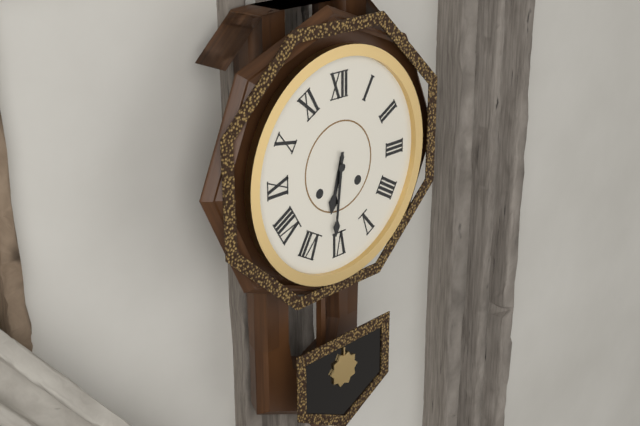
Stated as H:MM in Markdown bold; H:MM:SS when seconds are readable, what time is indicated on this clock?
**6:31**
